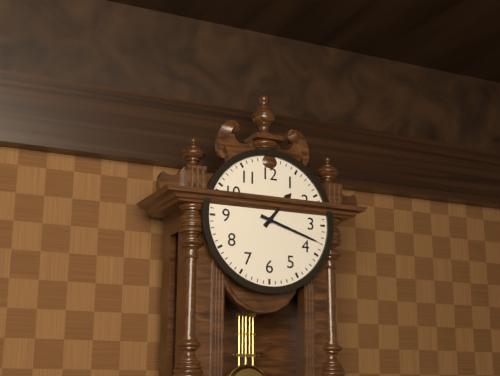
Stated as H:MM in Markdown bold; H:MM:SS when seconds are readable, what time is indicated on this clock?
**1:18**
